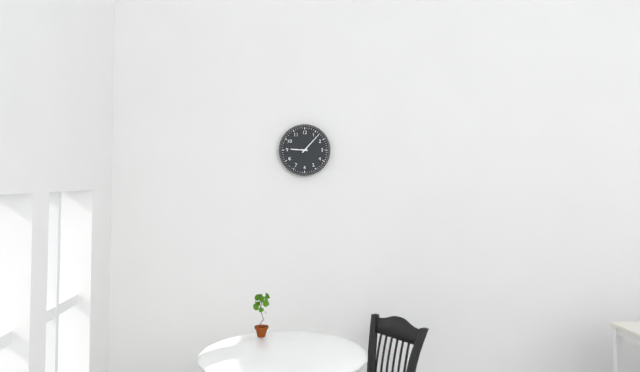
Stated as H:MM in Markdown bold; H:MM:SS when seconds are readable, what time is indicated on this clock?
**9:07**
